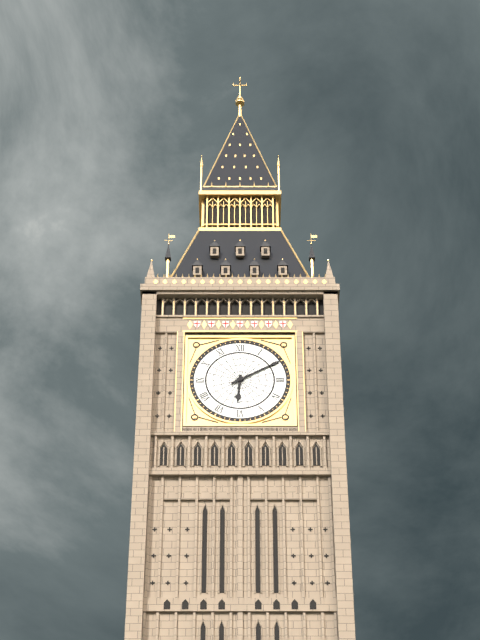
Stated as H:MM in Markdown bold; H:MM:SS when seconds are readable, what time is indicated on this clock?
**6:10**
